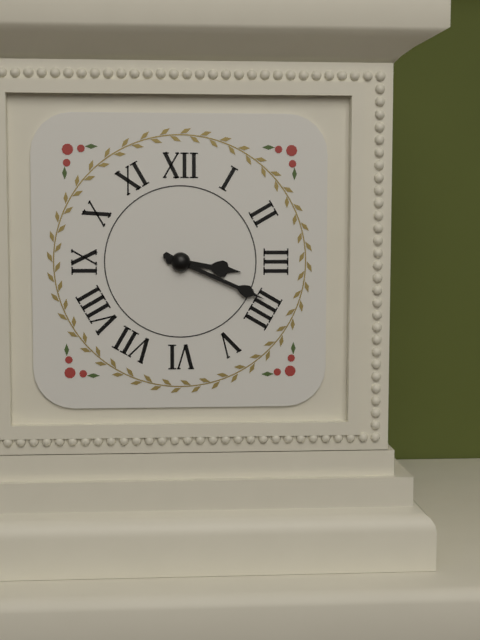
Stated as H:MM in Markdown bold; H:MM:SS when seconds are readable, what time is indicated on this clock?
**3:19**
